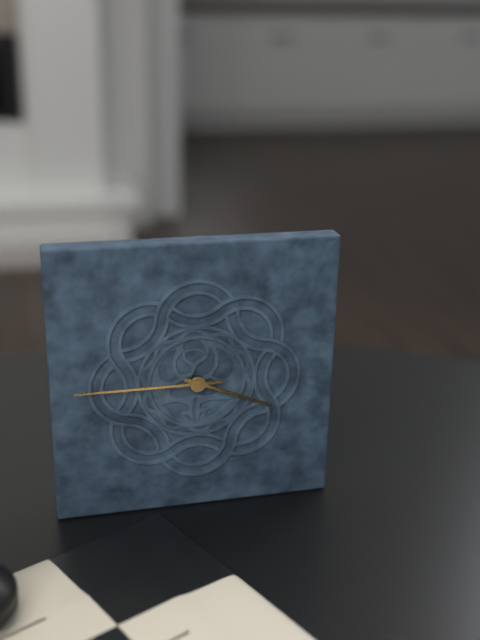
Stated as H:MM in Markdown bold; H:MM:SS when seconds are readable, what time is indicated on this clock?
**3:45**
